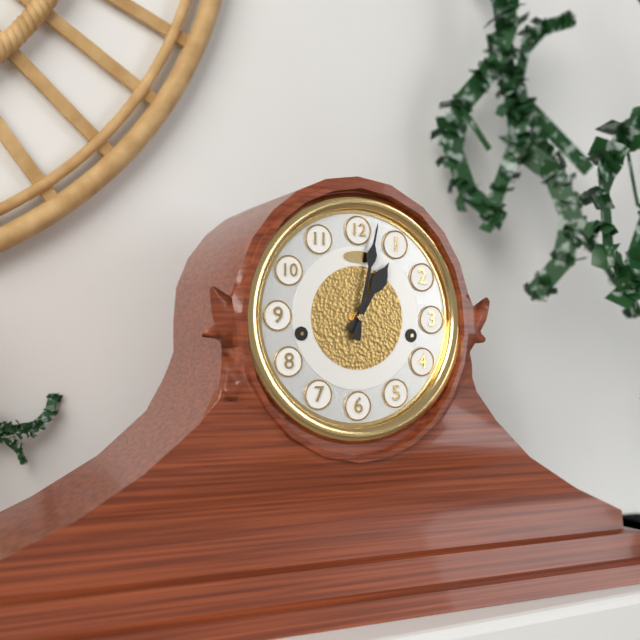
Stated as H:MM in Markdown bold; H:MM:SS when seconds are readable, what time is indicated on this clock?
**1:02**
